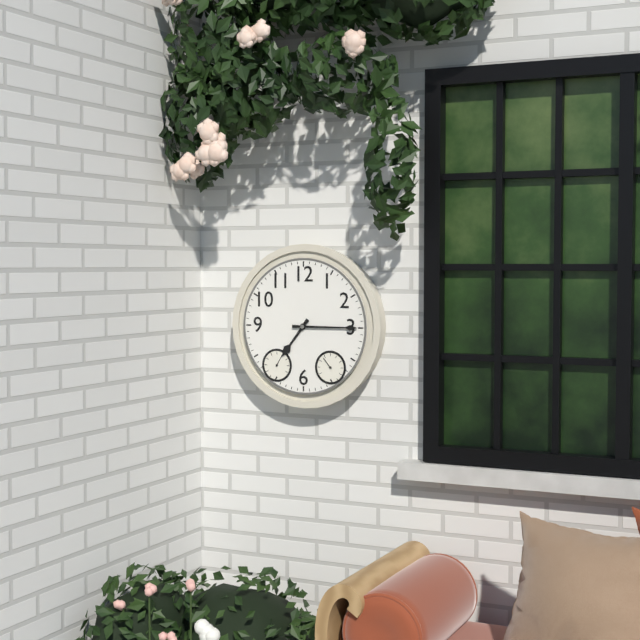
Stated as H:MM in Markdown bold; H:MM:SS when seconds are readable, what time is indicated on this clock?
**7:15**
